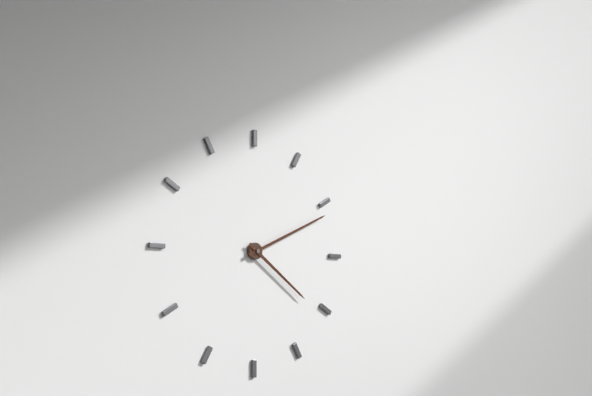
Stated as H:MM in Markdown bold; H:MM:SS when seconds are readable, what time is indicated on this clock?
**4:11**
